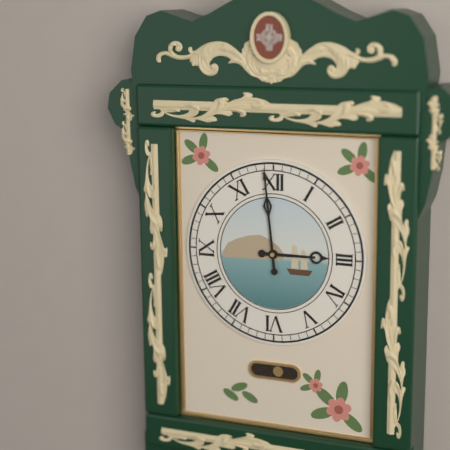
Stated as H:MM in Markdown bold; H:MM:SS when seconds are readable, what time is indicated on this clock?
**2:59**
